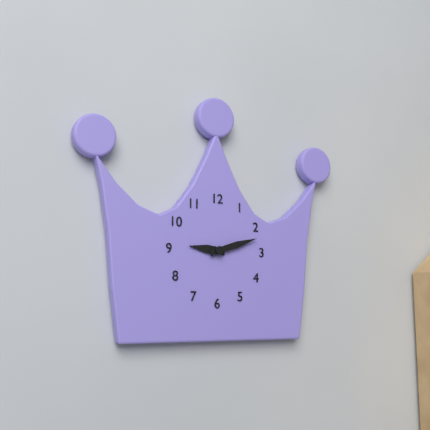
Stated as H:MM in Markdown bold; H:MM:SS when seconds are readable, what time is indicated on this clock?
**9:12**
